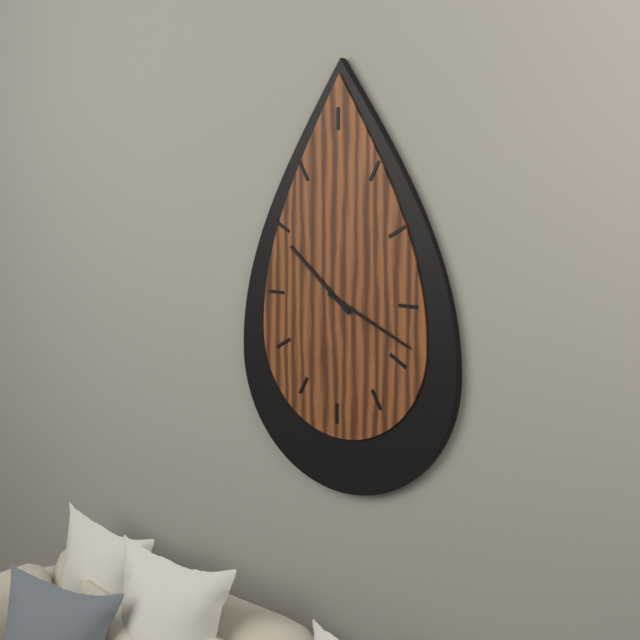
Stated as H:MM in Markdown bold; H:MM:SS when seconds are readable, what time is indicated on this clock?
**10:19**
